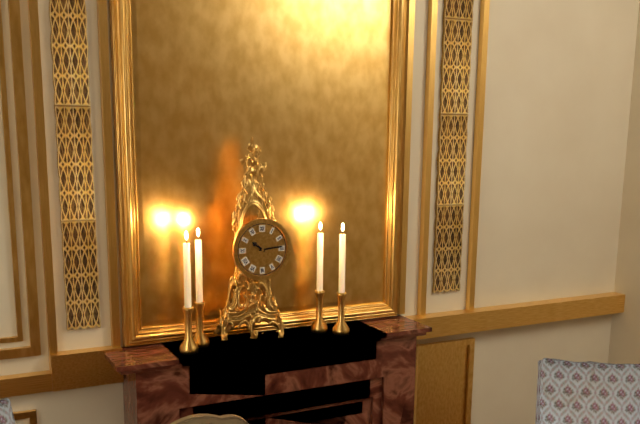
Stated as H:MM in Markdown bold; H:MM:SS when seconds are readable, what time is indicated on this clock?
**10:14**
